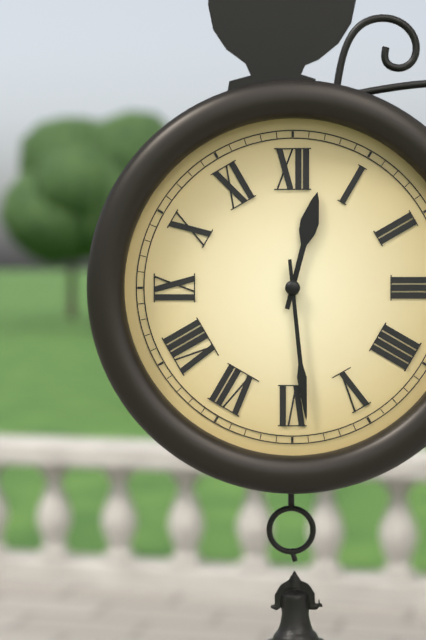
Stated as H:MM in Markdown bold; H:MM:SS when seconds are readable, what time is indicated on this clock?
**12:29**
